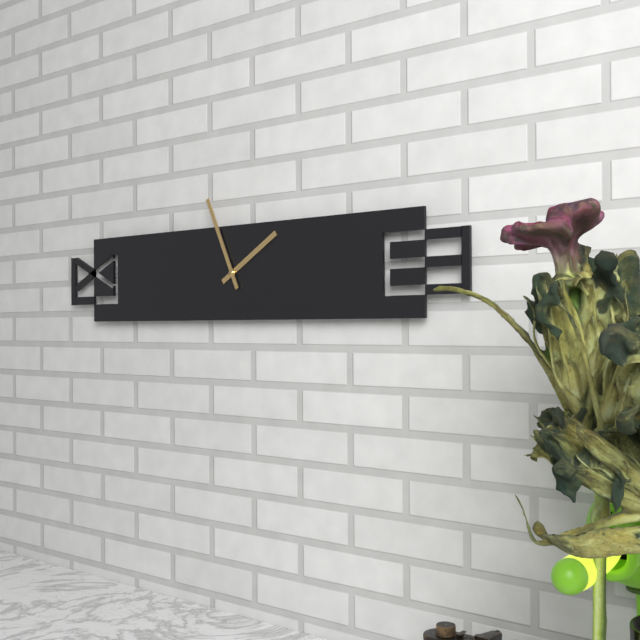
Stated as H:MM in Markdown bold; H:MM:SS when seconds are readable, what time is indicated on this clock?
**1:56**
